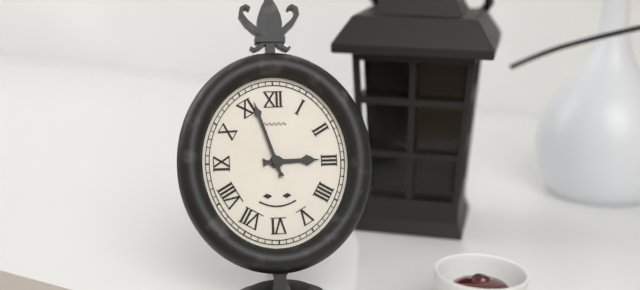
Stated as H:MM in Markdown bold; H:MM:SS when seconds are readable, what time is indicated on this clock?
**2:57**
